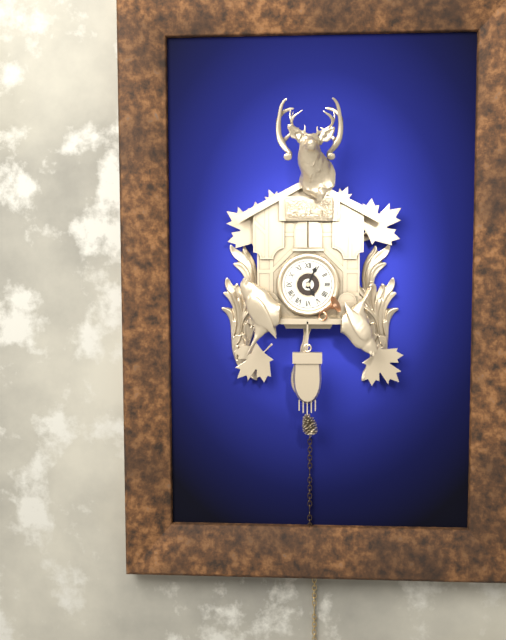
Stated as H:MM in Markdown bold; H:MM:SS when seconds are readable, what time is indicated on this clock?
**5:04**
